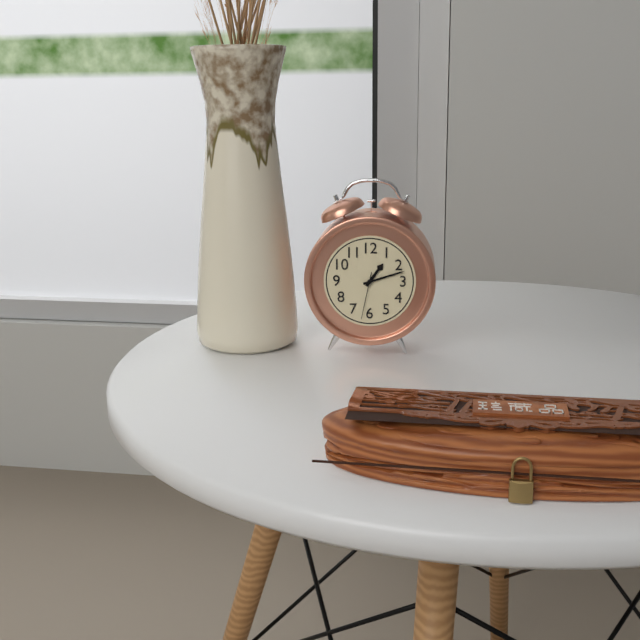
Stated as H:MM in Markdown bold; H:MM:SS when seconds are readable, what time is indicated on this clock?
**1:12**
